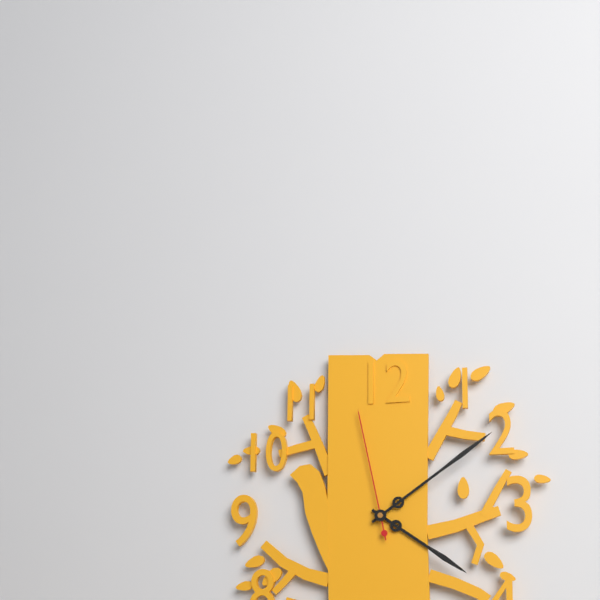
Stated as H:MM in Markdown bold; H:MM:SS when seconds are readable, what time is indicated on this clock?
**4:09:58**
